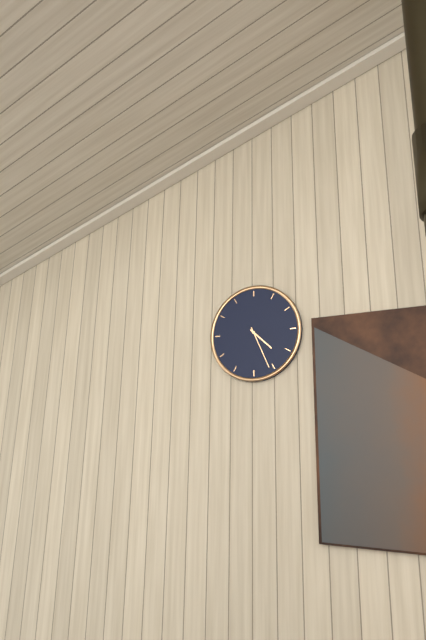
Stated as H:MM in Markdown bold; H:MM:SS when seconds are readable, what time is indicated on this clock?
**4:26**
